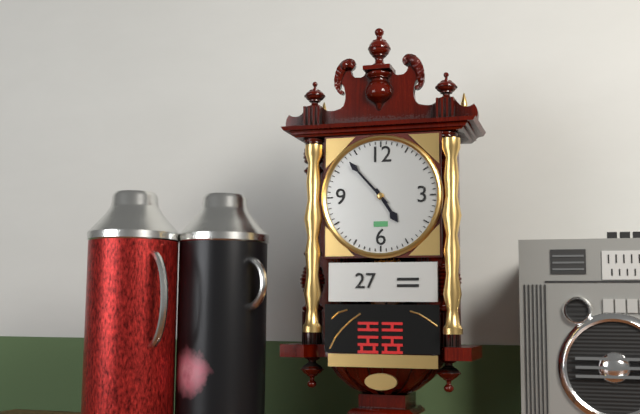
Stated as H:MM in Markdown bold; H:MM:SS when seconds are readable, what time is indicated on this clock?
**4:53**
